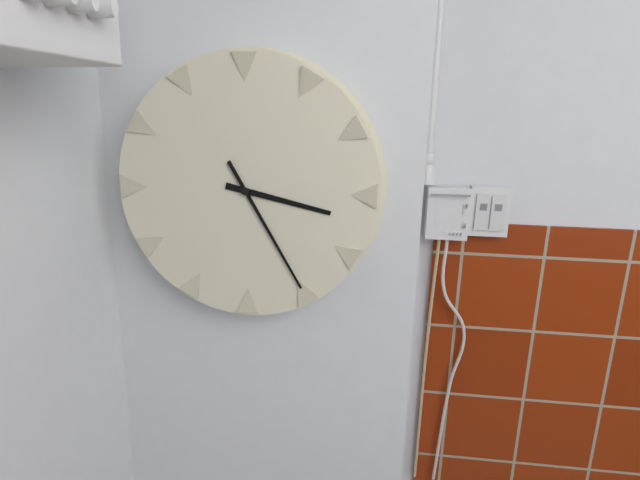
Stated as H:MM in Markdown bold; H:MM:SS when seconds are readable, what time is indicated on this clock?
**3:25**
